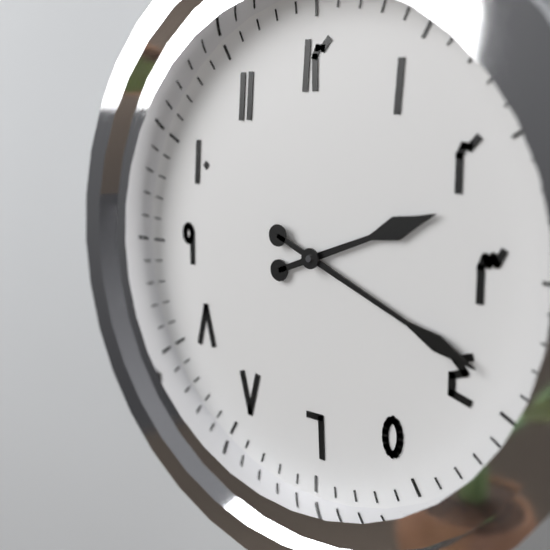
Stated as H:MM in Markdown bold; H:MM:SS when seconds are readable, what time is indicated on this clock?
**2:19**
